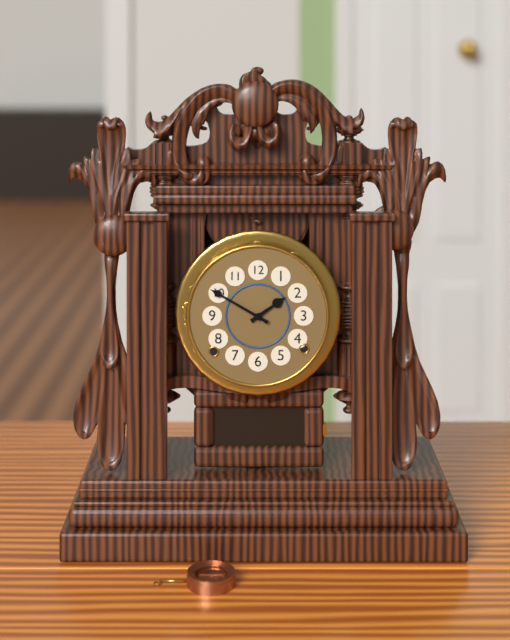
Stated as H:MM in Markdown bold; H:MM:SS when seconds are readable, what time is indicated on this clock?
**1:50**
